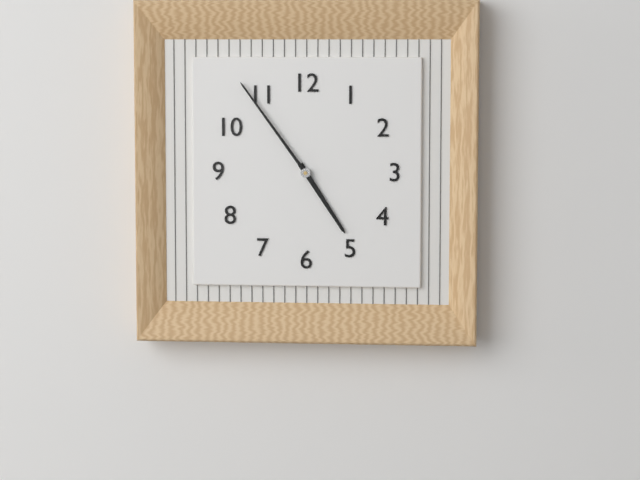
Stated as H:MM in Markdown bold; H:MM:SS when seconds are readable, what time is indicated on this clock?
**4:54**
